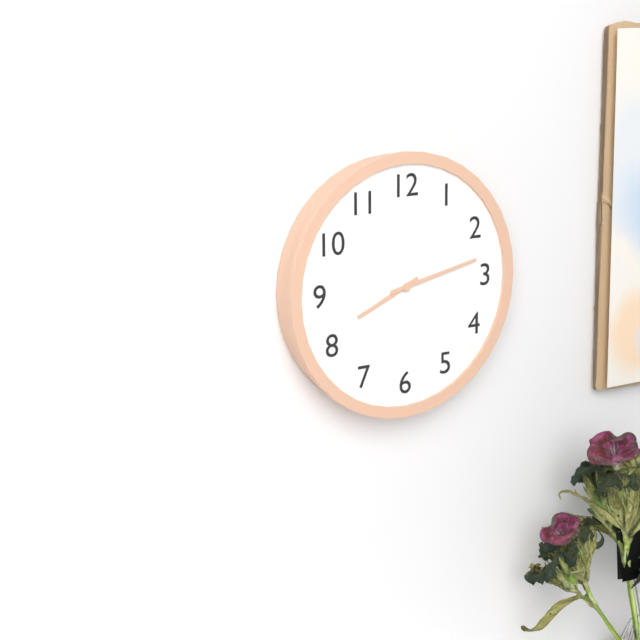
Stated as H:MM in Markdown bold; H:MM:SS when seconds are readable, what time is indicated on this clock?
**8:13**
